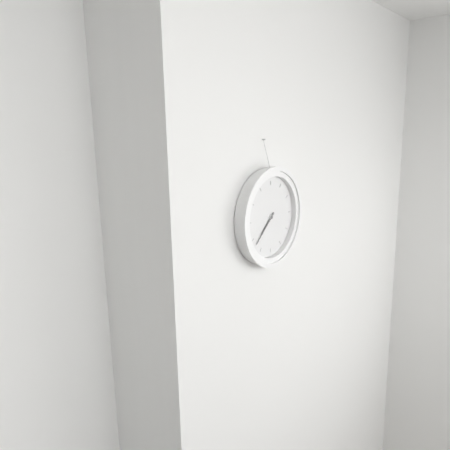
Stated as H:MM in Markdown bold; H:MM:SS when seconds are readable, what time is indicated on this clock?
**7:38**
